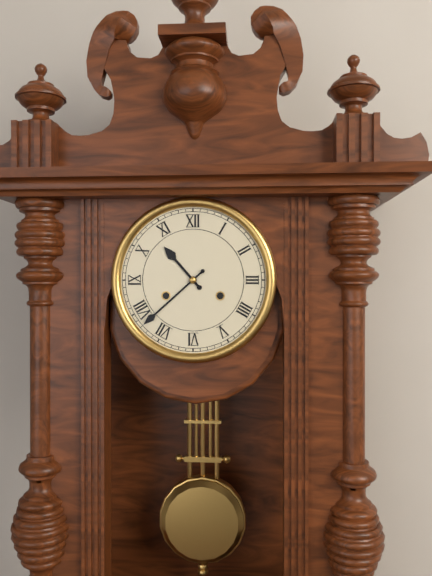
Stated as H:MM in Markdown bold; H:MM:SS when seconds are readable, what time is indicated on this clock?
**10:38**
